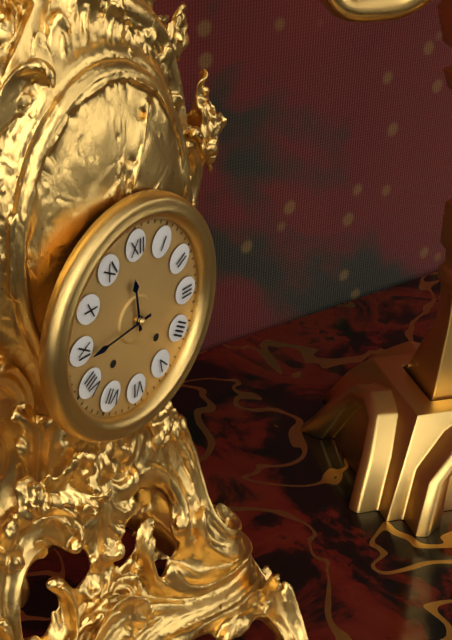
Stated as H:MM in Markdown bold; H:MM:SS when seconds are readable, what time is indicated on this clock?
**11:44**
